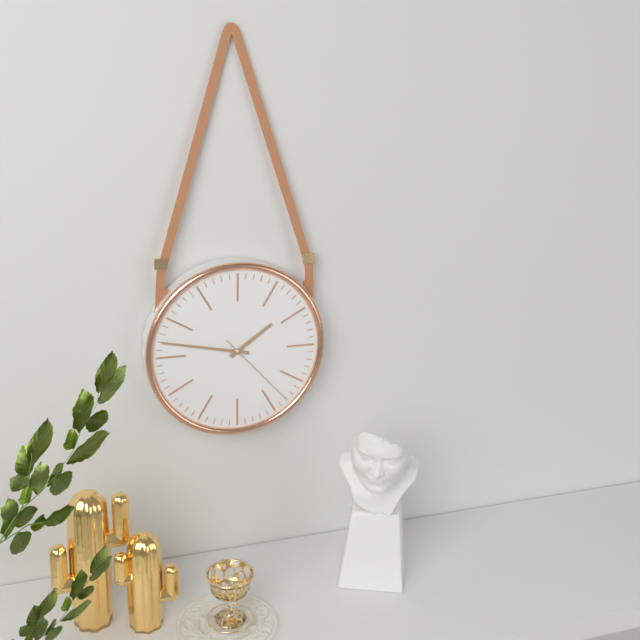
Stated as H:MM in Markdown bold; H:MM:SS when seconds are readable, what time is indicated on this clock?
**1:47:23**
